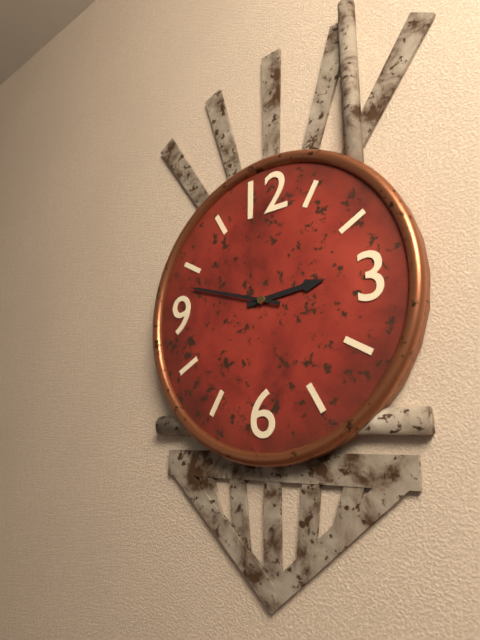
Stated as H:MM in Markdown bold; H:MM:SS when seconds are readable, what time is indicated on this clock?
**2:48**
